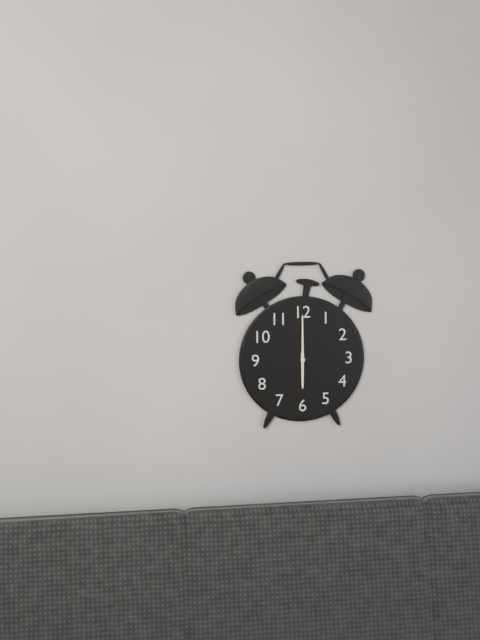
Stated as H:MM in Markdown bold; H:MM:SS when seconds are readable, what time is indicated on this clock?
**6:00**
